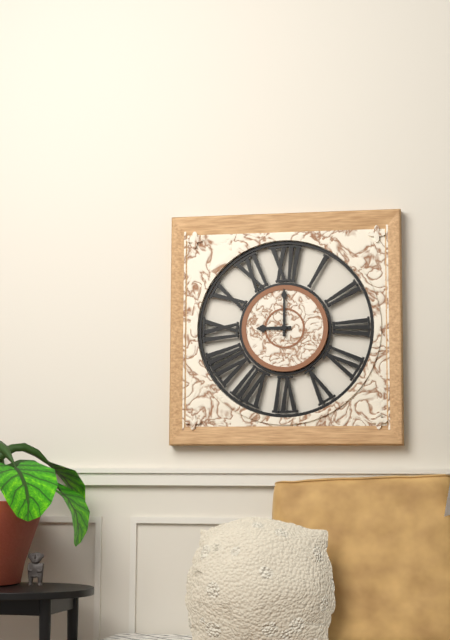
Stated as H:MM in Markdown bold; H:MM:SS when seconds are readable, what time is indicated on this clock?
**9:00**
